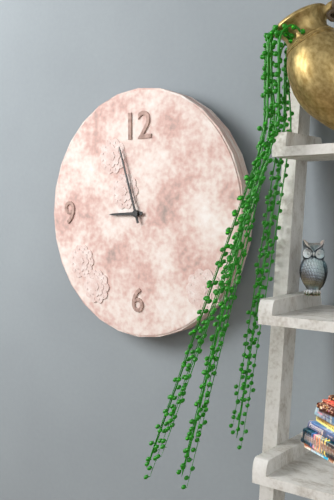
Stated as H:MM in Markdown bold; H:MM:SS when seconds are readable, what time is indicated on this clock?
**8:57**
